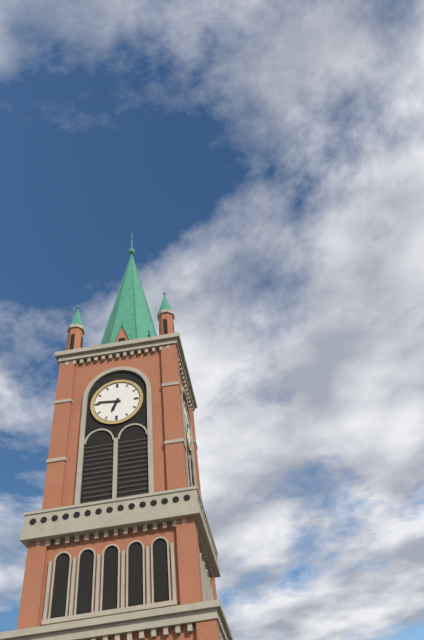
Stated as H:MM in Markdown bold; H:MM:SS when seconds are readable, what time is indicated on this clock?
**6:46**
